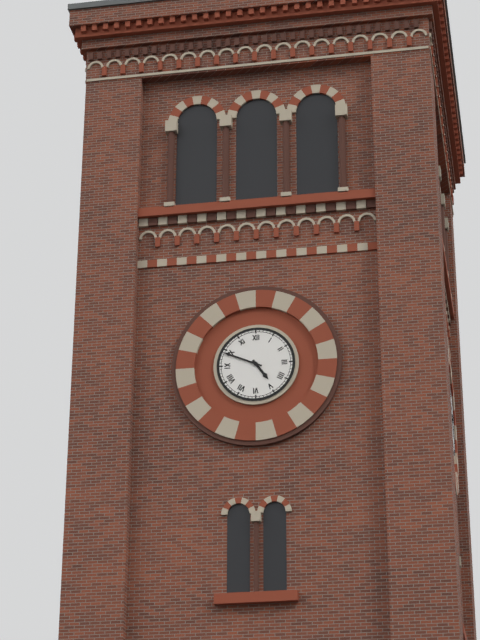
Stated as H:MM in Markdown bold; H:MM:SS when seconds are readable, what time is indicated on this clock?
**4:49**
